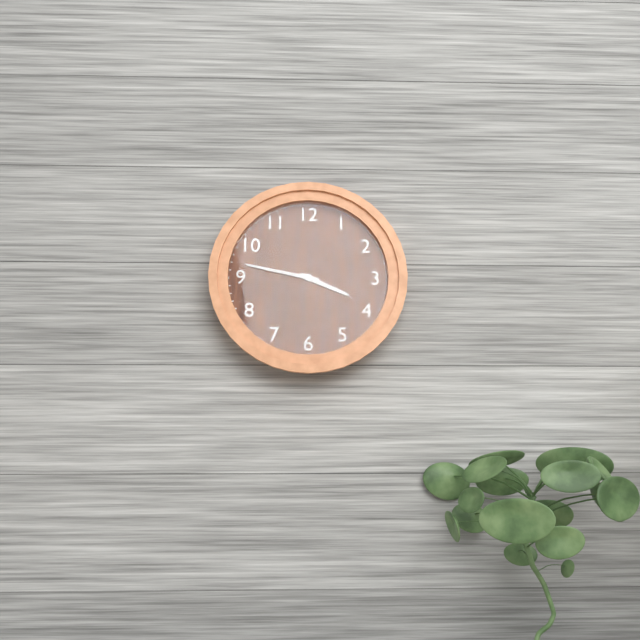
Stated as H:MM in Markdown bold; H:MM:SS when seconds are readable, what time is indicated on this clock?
**3:47**
